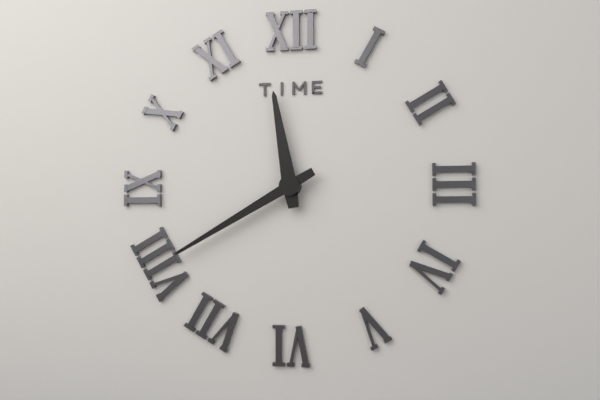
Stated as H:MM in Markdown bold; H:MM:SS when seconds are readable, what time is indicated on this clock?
**11:40**
